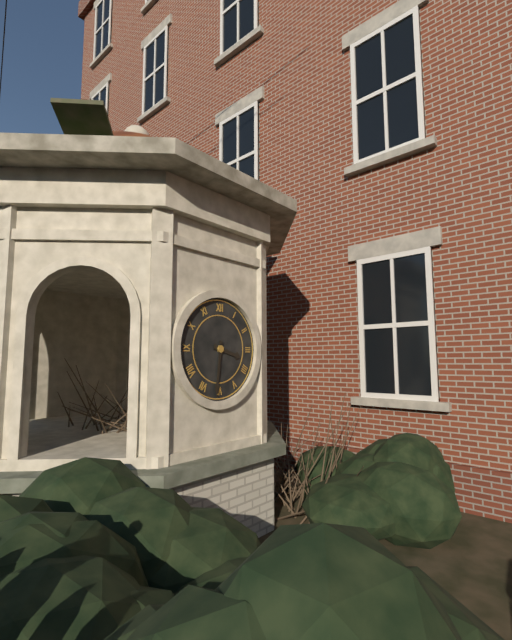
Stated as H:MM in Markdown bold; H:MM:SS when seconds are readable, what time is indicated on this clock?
**3:31**
